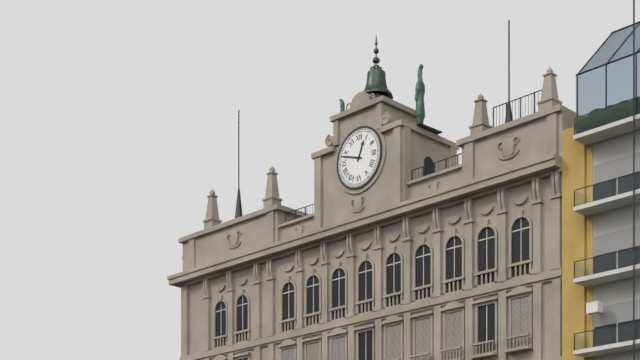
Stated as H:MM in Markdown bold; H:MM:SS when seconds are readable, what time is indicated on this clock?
**12:48**
